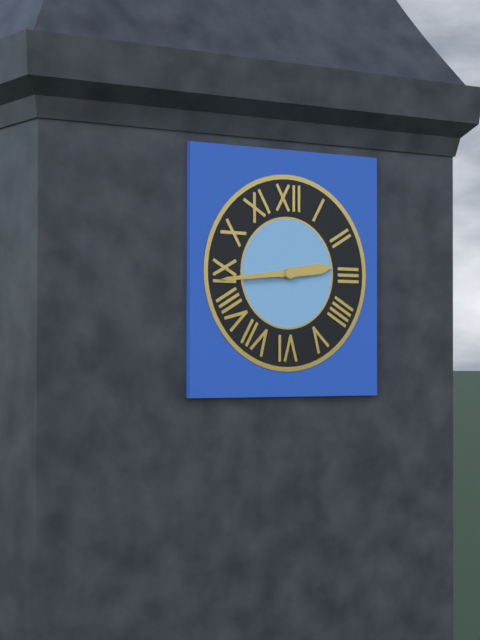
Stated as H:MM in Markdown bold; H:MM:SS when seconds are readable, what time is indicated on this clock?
**2:44**
